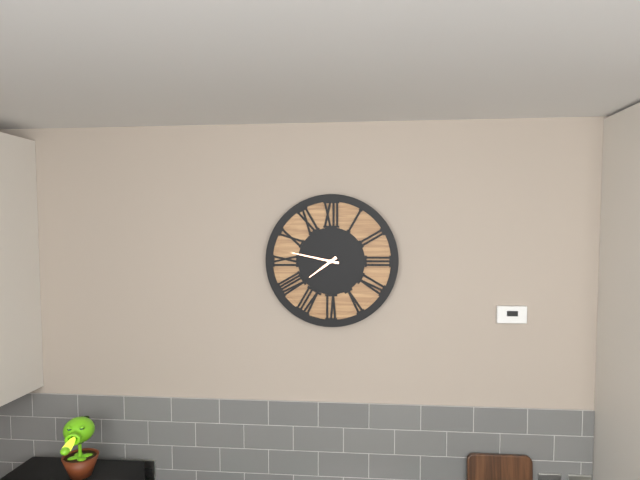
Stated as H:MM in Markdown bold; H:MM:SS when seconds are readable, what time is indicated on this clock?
**7:47**
